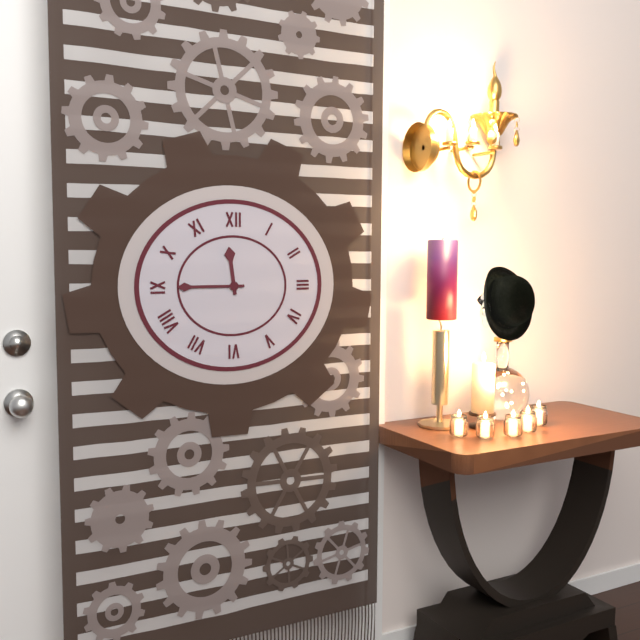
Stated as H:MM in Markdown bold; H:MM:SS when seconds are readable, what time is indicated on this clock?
**11:45**
